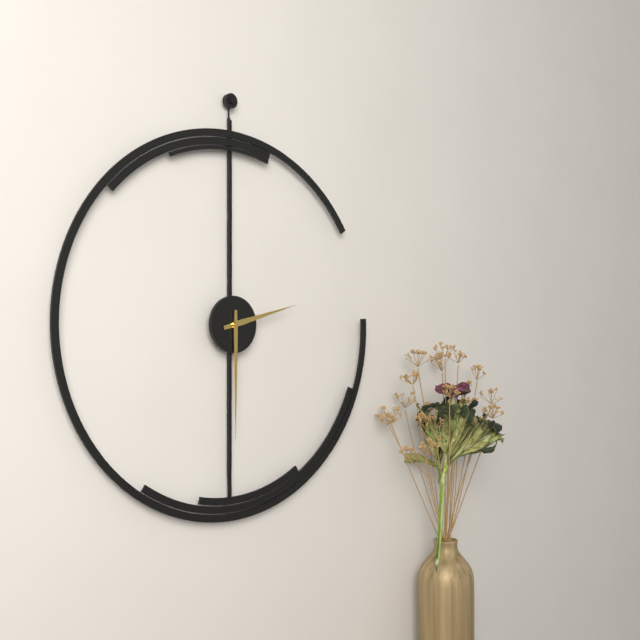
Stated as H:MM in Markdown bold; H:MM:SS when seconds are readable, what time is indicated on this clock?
**2:30**
